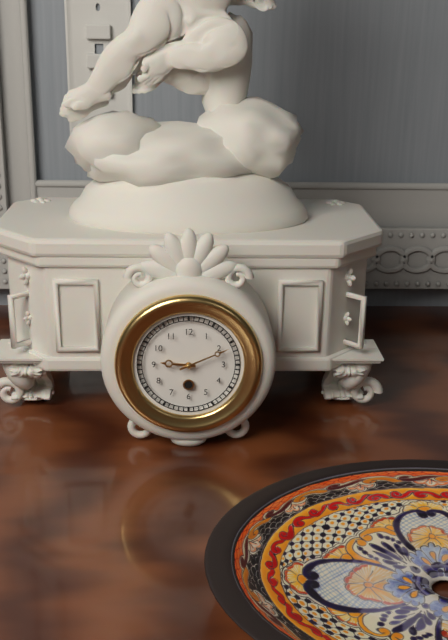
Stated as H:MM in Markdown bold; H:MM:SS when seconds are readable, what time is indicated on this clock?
**9:11**
